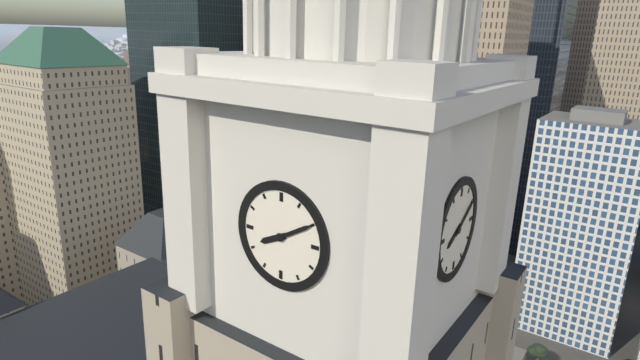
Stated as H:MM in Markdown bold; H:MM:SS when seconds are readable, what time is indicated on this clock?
**8:10**
